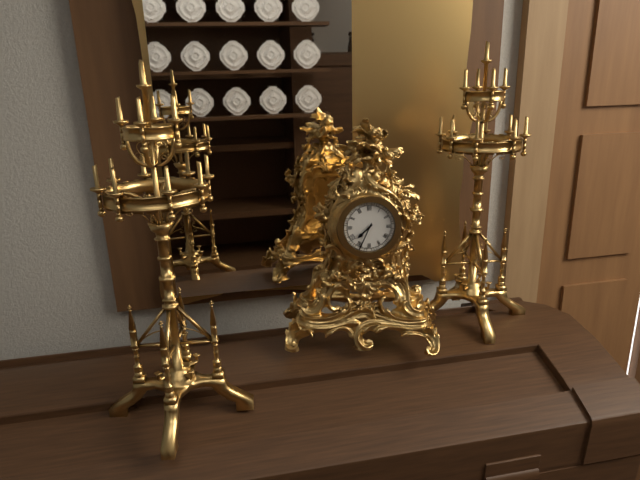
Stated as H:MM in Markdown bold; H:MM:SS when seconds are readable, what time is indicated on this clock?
**7:34**
